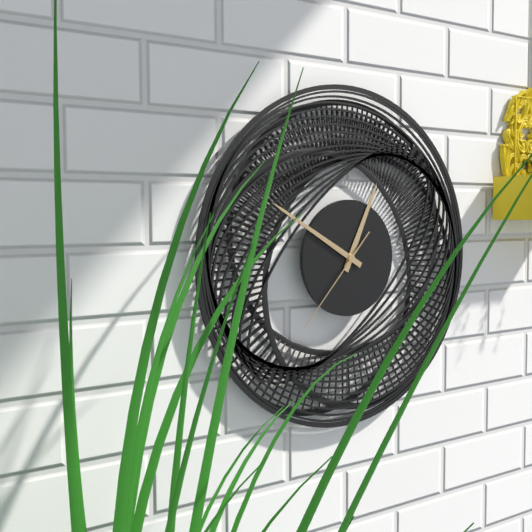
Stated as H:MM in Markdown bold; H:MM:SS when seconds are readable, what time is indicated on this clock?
**12:50:37**
